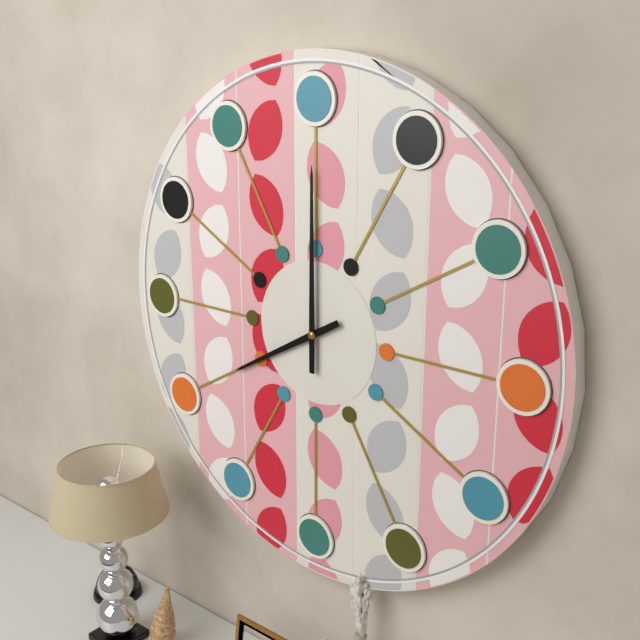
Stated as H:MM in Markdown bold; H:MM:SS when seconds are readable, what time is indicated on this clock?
**8:00**
